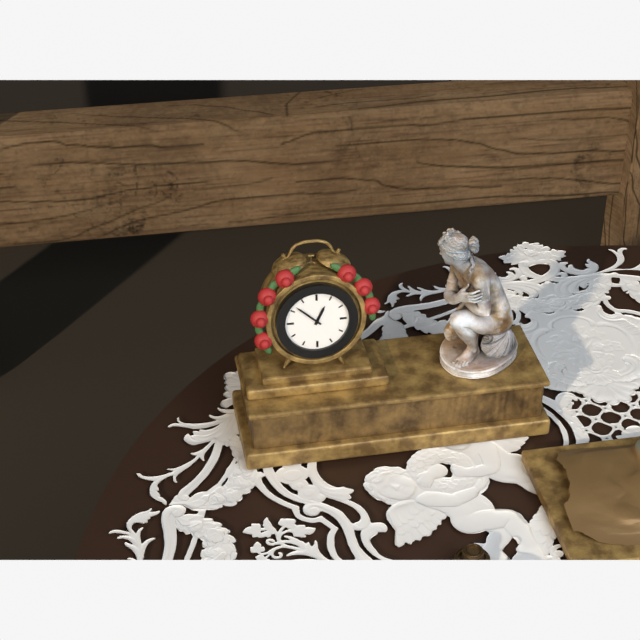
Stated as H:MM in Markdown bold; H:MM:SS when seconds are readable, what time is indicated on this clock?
**12:52**
